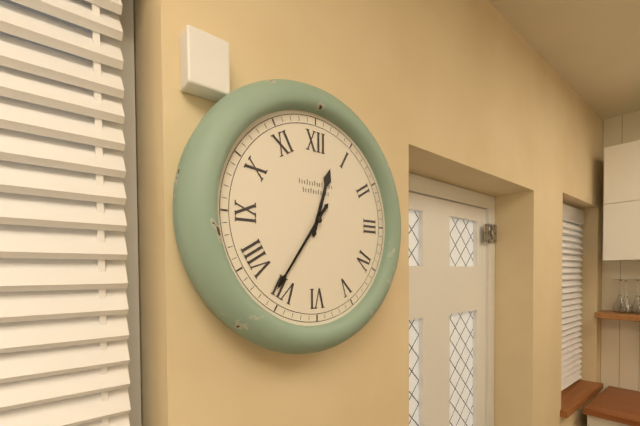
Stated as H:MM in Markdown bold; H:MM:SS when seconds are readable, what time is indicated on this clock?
**12:36**
